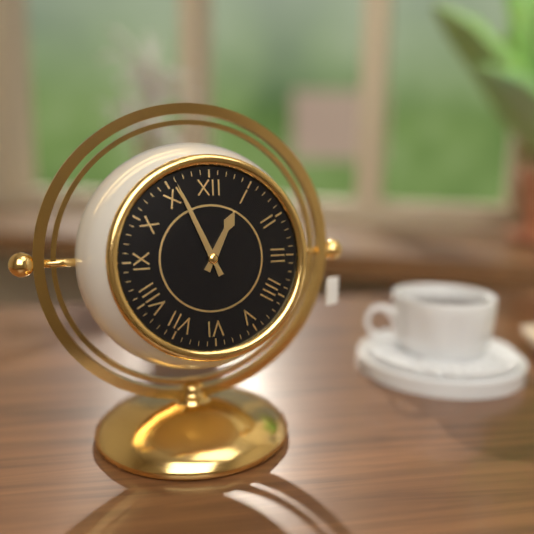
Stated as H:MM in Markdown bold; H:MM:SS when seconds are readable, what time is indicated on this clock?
**12:56**
